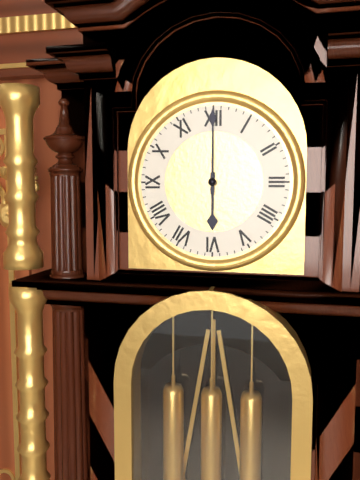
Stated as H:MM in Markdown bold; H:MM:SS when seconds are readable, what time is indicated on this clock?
**6:00**
